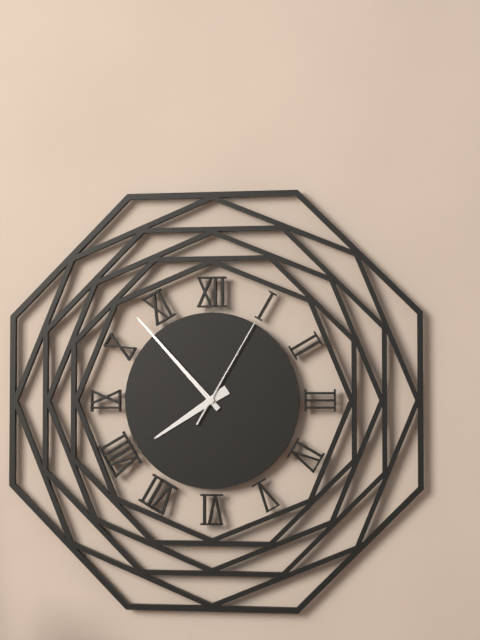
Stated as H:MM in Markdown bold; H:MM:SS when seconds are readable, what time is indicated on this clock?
**7:53:05**
